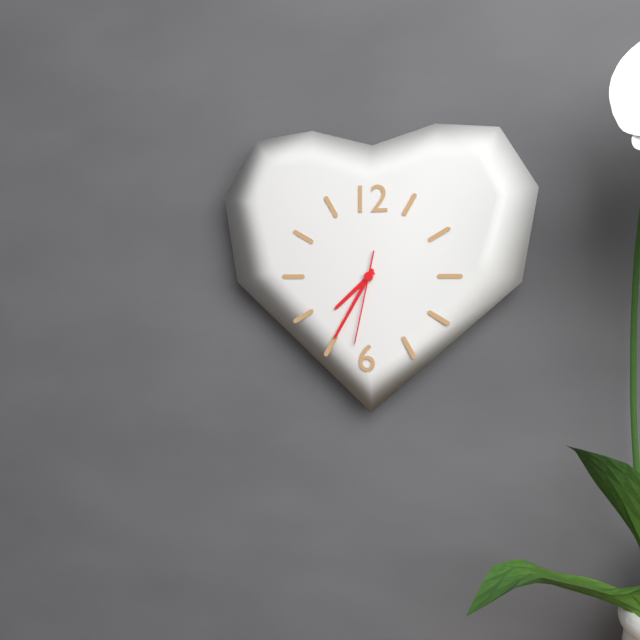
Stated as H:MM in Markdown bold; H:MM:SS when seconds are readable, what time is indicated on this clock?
**7:35:32**
